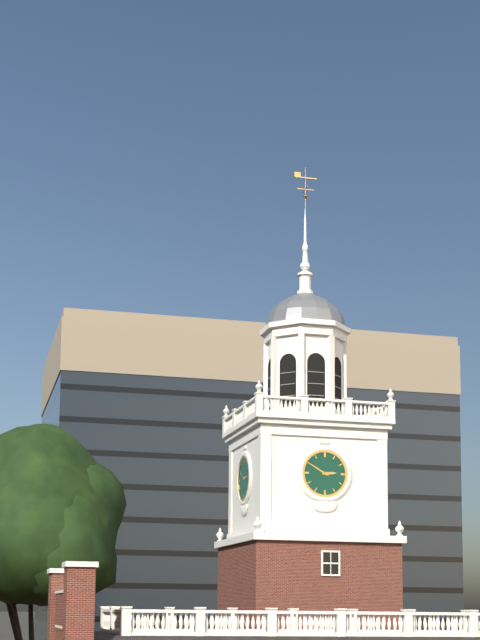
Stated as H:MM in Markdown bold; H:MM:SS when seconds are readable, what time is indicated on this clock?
**2:50**
